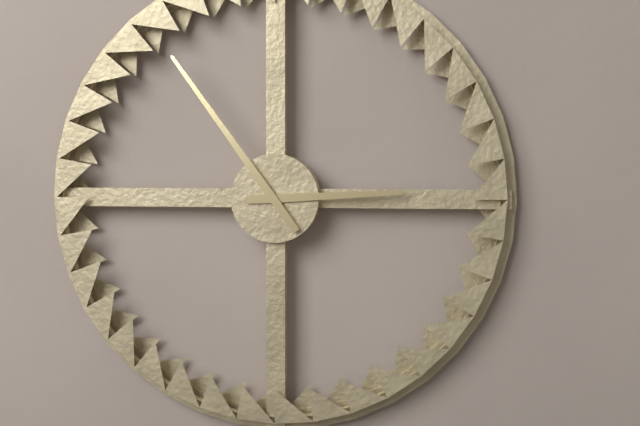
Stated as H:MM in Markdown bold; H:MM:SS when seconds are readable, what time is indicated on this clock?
**2:54**
